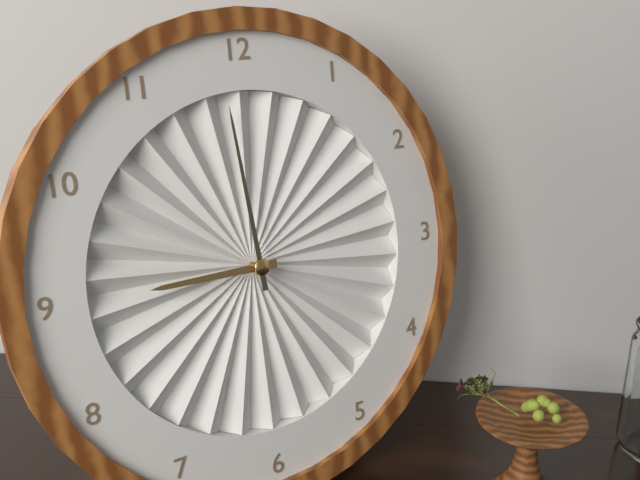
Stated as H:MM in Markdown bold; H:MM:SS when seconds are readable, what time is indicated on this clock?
**8:59**
